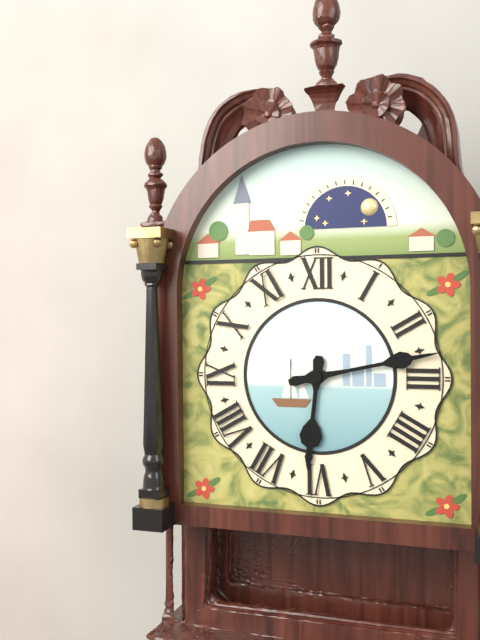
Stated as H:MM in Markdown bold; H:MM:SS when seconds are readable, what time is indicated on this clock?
**6:13**
